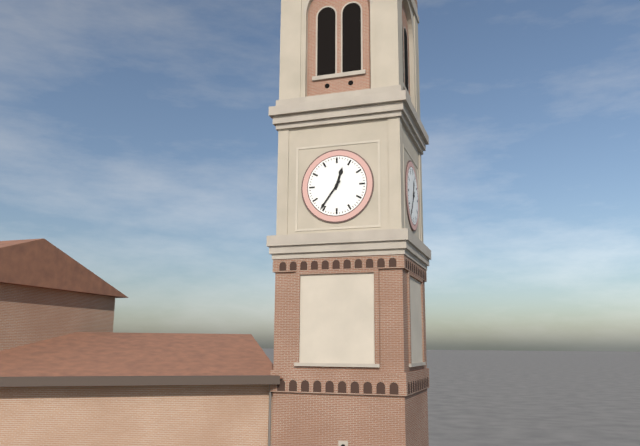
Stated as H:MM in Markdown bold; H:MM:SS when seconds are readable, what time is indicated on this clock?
**12:36**
